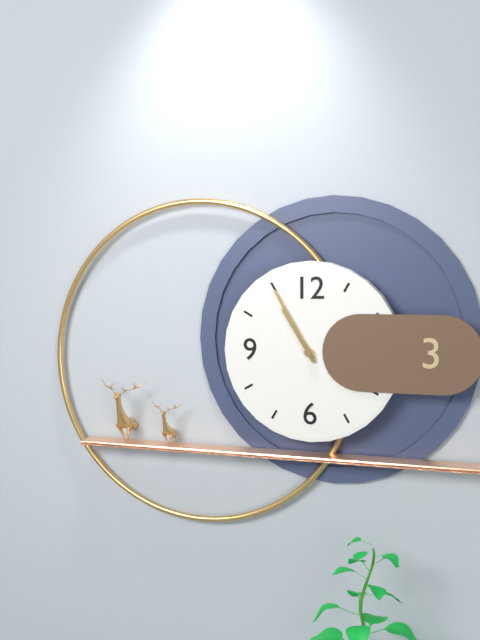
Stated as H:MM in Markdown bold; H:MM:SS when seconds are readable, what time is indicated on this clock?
**10:55**
